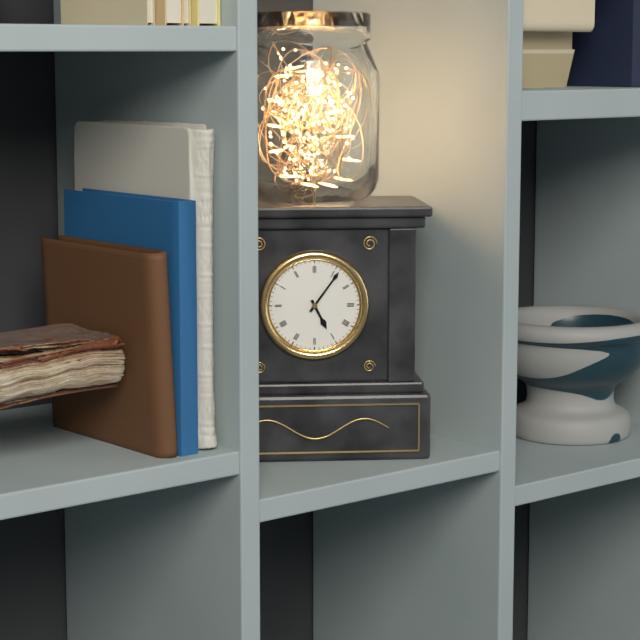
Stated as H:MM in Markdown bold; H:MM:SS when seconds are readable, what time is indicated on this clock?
**5:06**
